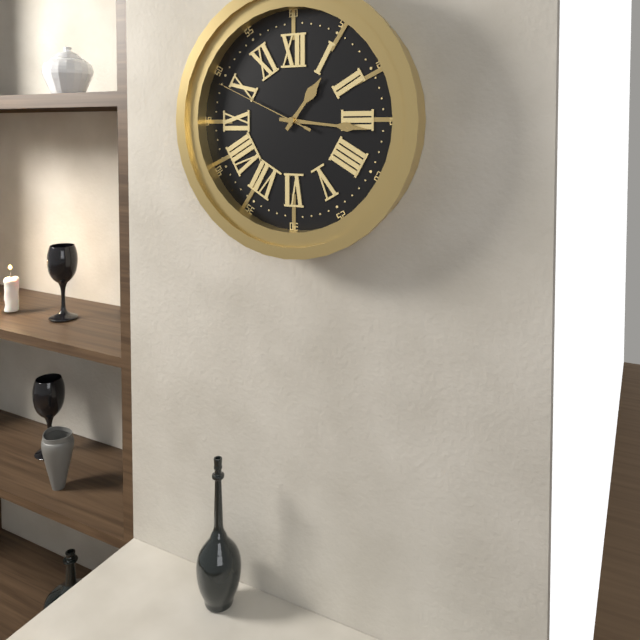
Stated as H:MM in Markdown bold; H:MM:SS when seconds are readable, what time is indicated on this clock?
**1:16:49**
